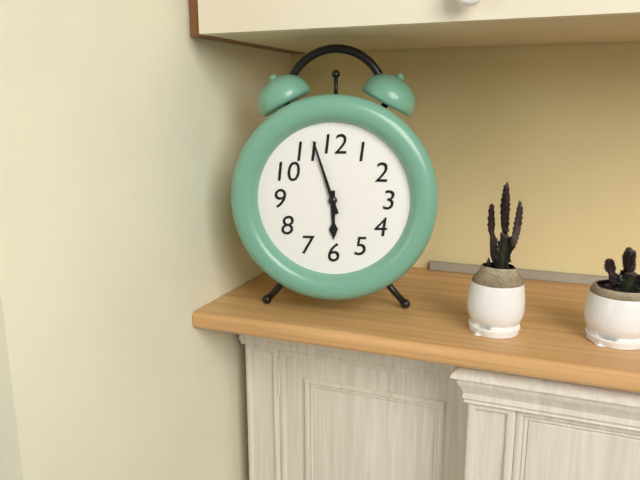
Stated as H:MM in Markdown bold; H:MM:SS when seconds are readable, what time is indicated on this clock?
**5:57**
